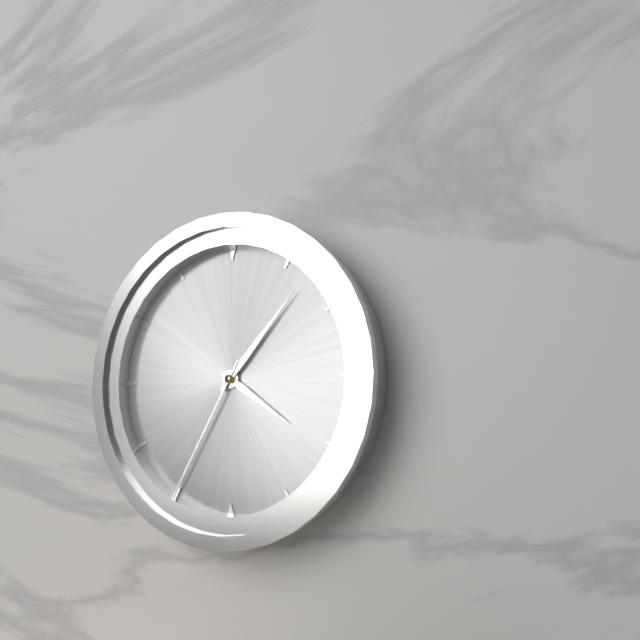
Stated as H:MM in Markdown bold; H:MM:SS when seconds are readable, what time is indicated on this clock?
**4:07:35**
